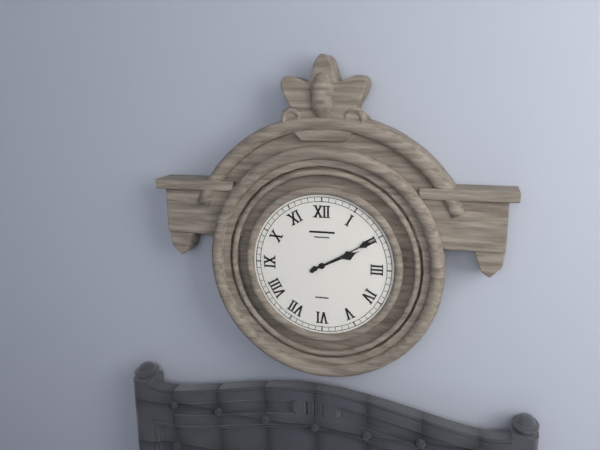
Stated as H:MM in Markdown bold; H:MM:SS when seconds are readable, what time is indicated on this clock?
**2:10**
